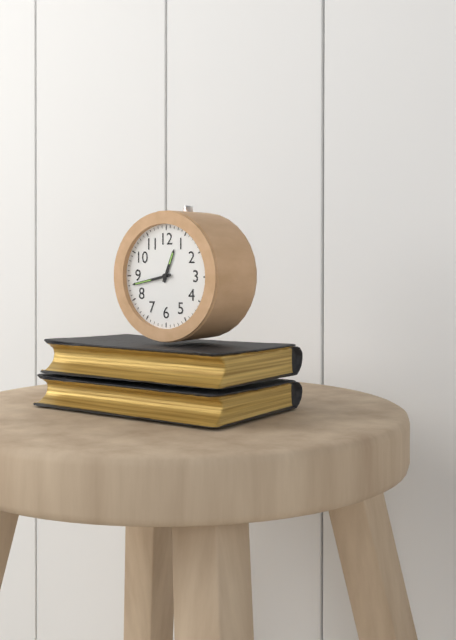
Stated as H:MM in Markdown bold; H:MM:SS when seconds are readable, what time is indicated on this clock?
**12:43**
